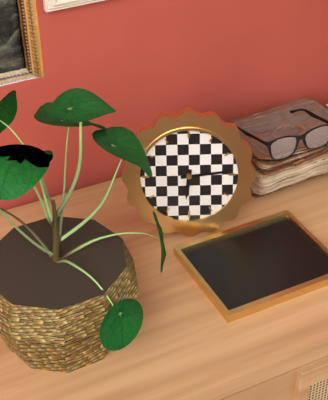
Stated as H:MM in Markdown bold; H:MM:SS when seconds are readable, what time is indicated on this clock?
**6:14**
